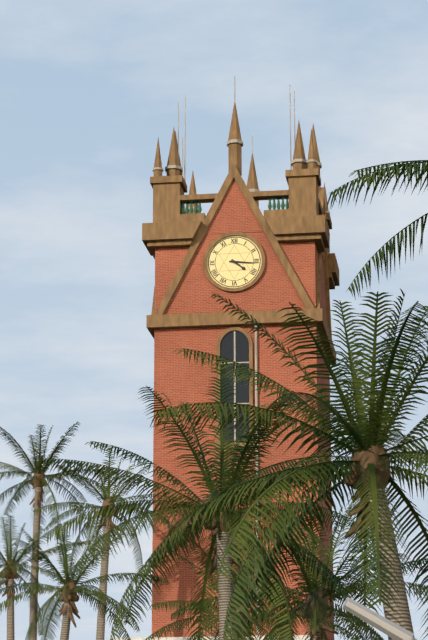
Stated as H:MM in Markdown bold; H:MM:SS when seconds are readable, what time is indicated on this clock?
**4:16**
